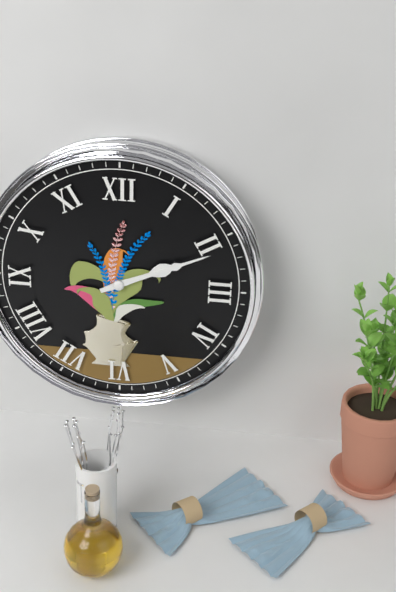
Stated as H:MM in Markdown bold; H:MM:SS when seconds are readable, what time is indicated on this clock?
**2:11**
